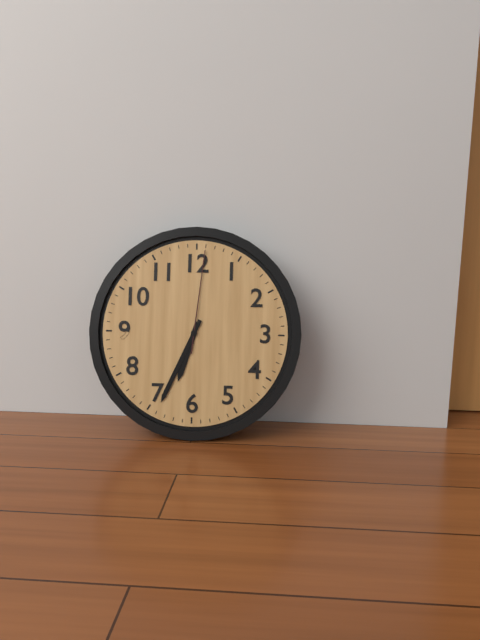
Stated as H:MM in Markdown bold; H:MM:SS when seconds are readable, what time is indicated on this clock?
**6:34:01**
